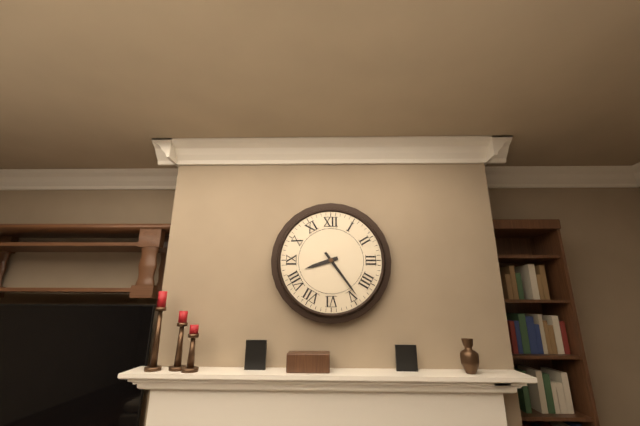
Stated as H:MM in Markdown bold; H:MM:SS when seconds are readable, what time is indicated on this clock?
**8:24**
